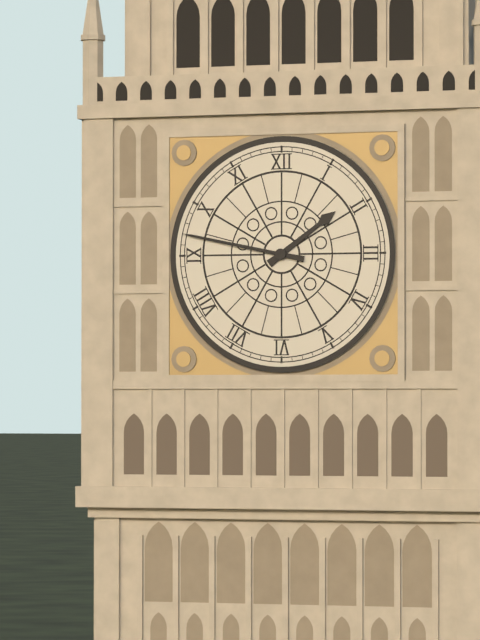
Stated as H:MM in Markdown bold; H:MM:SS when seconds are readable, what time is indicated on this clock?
**1:47**
